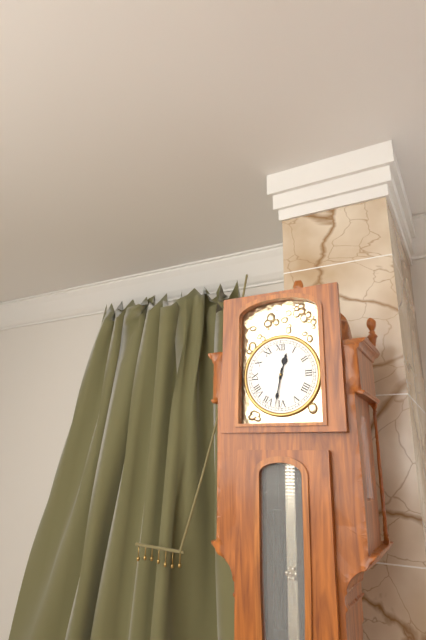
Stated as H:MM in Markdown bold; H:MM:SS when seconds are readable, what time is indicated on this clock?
**12:32**
